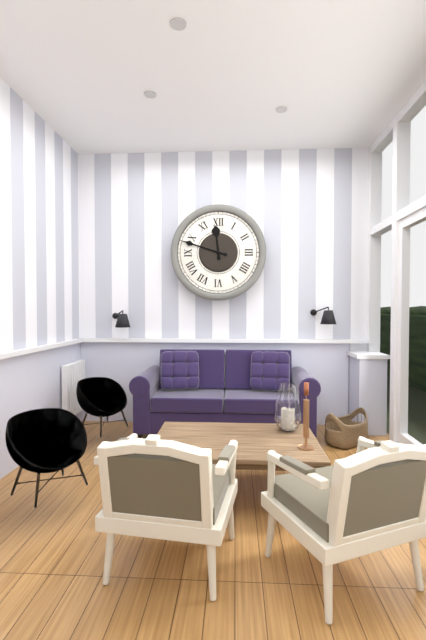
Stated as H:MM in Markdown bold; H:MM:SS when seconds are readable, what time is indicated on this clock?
**11:48**
